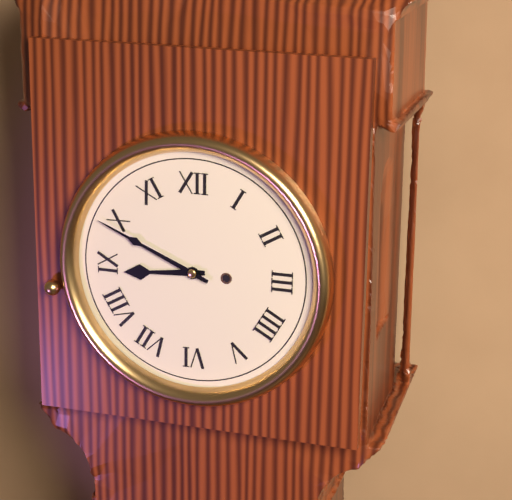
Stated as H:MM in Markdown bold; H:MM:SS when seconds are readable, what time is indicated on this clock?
**8:49**
